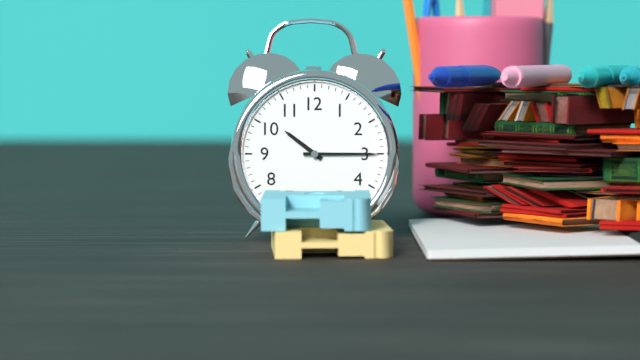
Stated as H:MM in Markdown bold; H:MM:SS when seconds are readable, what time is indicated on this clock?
**10:15**
